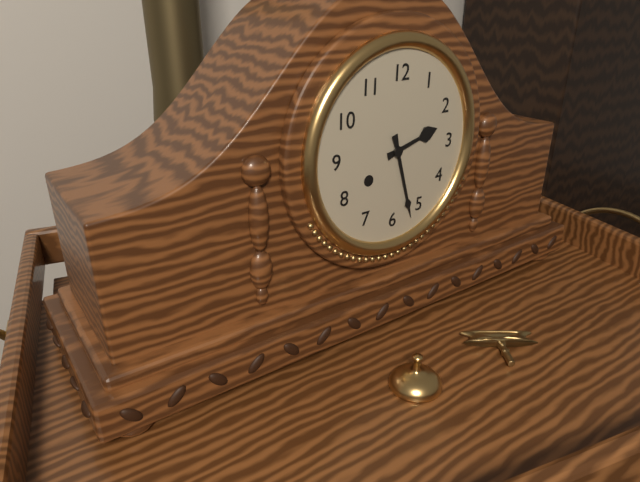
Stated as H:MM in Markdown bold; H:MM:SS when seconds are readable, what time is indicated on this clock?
**2:27**
